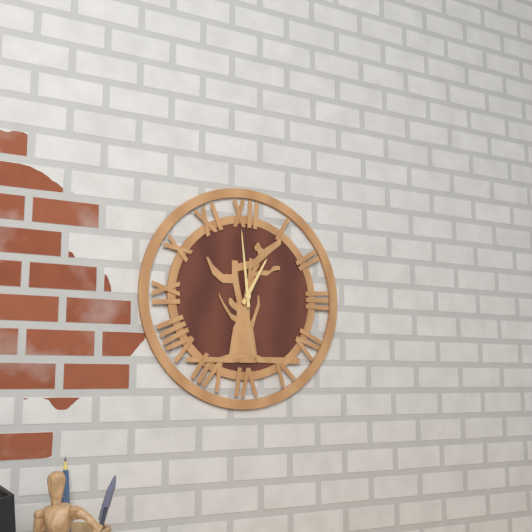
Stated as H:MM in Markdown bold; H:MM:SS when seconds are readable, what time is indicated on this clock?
**12:59**
